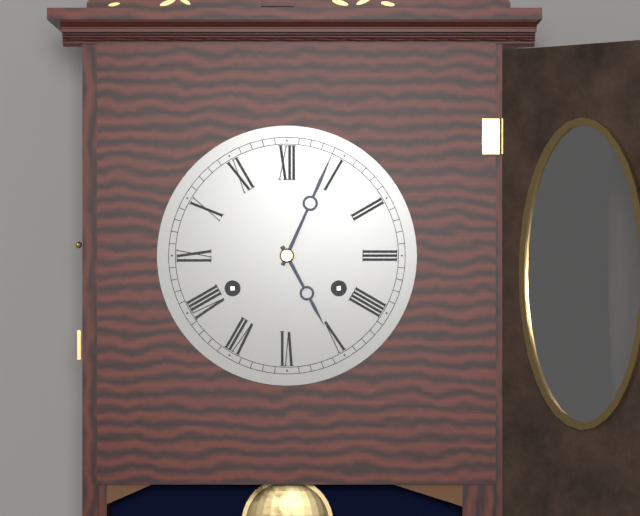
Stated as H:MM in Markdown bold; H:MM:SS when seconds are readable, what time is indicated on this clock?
**5:04**
